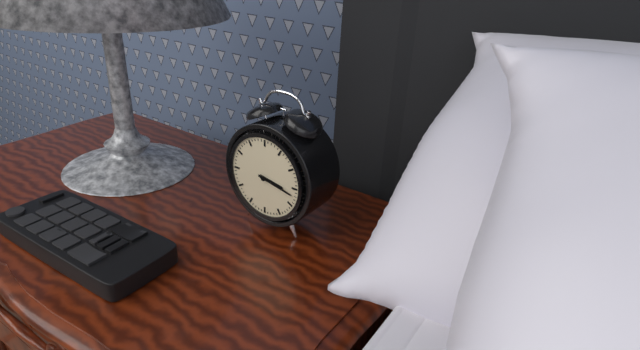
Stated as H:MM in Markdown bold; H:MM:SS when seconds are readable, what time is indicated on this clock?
**3:17**
